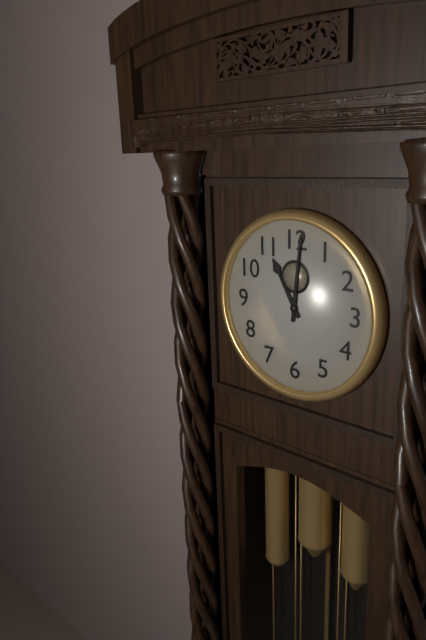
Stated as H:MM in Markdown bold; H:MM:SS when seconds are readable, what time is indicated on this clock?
**11:01**
